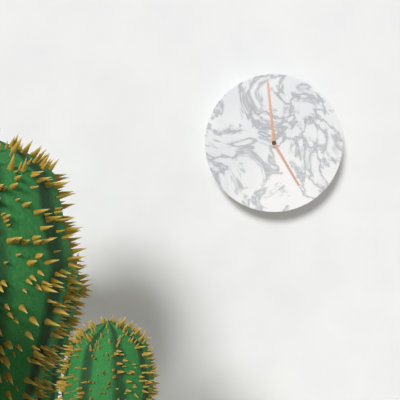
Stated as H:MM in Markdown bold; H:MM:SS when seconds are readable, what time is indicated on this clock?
**4:59**
